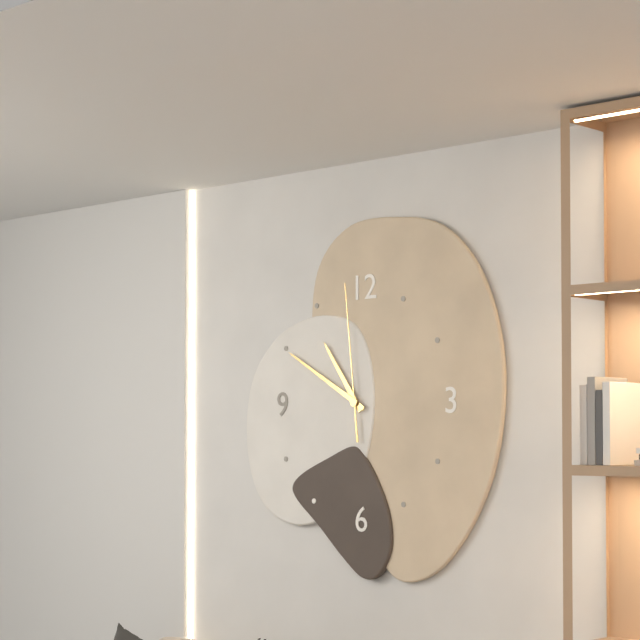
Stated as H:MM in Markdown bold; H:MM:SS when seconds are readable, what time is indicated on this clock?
**10:50:59**
